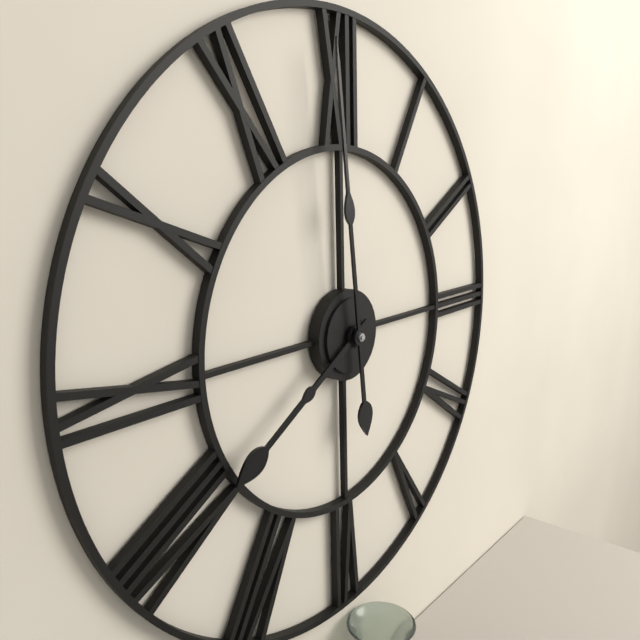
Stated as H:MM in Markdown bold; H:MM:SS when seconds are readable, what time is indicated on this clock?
**7:59**
